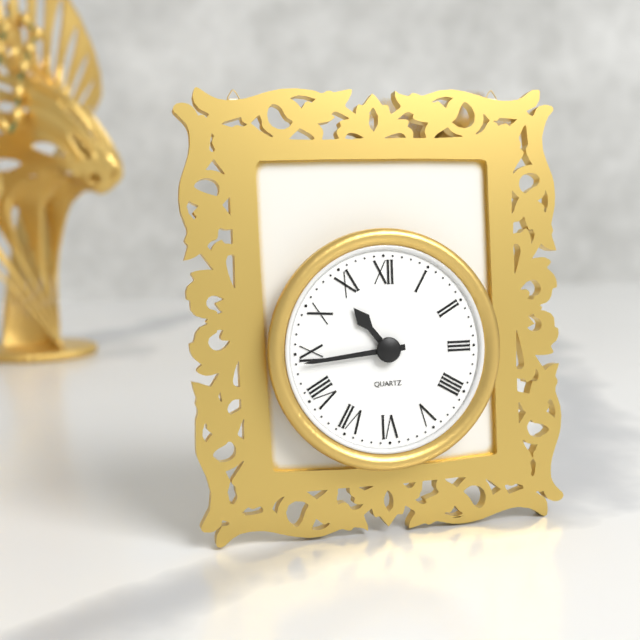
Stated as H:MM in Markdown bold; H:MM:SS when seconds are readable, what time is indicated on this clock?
**10:44**
